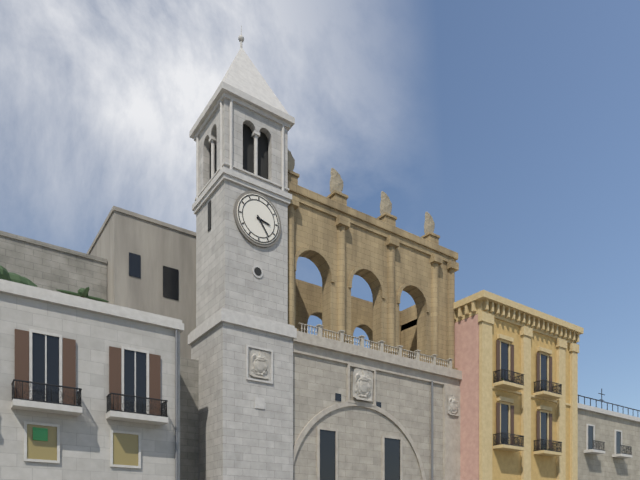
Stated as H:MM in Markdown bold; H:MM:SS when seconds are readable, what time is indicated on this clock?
**3:24**
